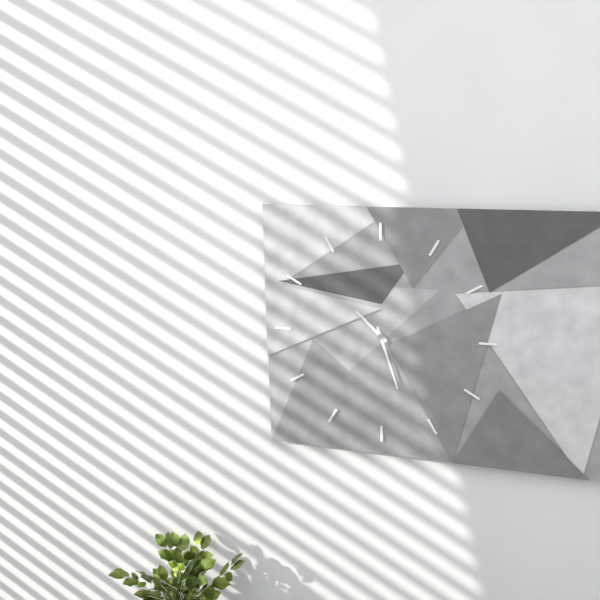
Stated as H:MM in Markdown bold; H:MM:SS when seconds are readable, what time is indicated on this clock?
**10:27**
